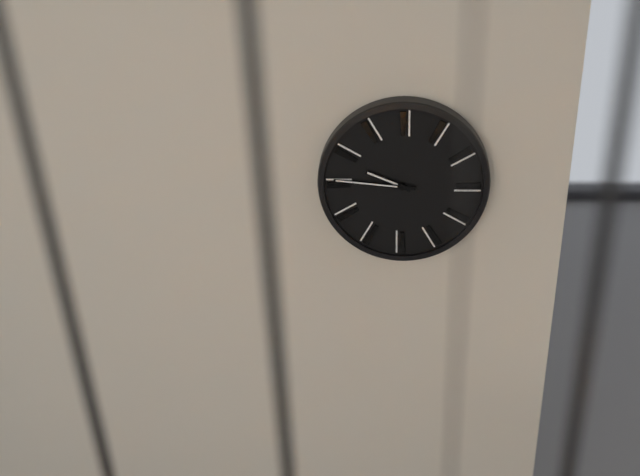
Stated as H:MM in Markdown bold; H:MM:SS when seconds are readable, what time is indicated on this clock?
**9:46**
